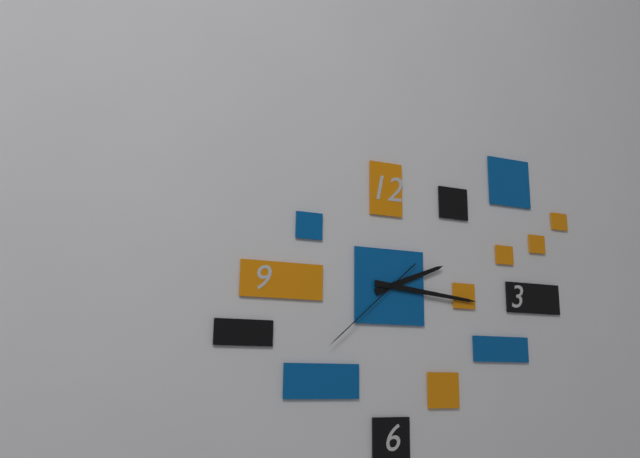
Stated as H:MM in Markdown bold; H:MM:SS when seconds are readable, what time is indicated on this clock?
**2:16:38**
